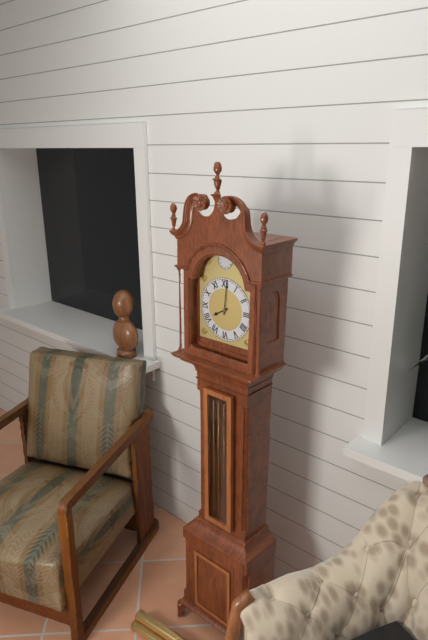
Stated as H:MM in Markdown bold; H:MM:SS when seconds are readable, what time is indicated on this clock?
**8:01**
